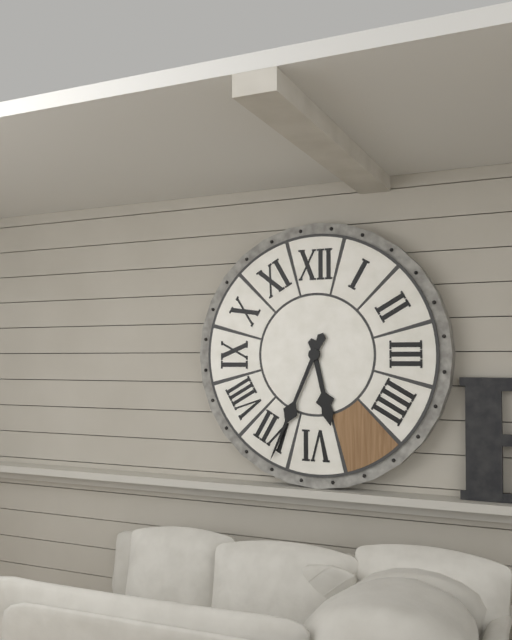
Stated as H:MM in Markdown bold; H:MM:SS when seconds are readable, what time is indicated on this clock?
**5:34**
